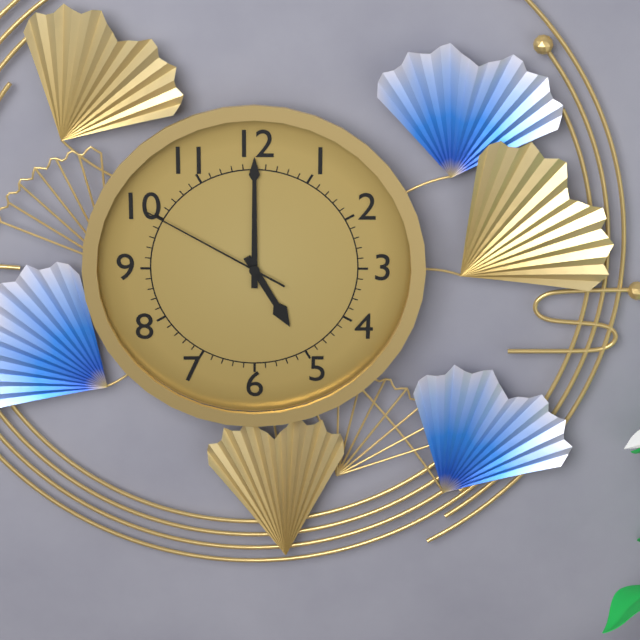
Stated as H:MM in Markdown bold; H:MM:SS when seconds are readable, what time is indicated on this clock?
**5:00:50**
